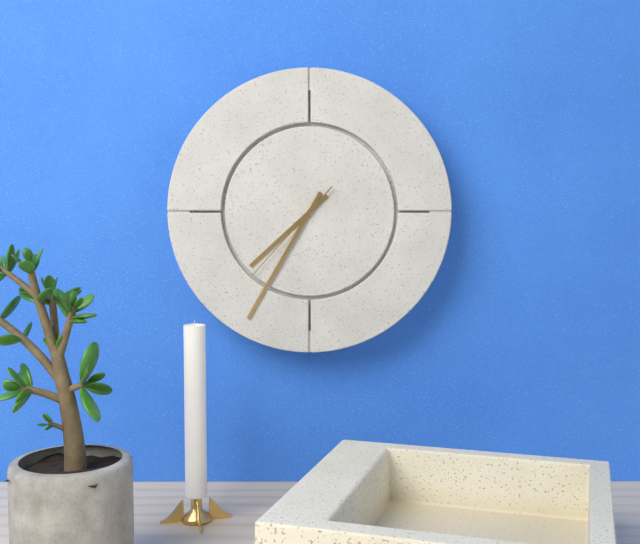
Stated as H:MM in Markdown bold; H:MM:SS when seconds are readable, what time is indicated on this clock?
**7:35:37**
